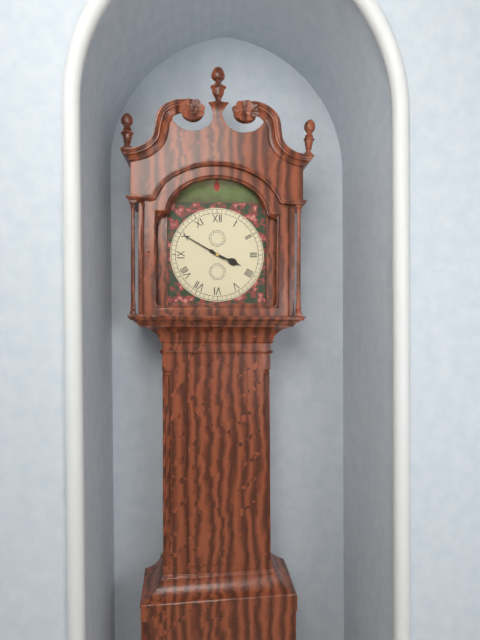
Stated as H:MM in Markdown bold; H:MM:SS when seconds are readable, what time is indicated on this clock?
**3:50**
